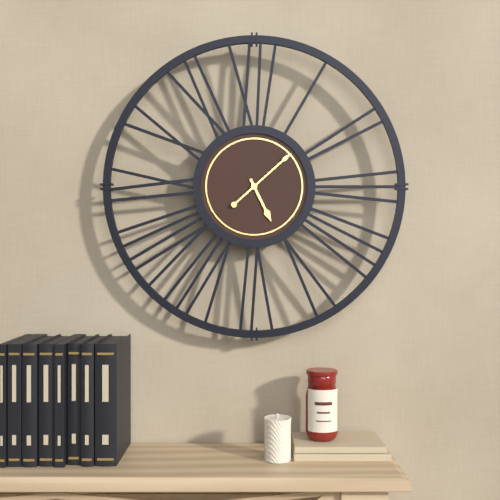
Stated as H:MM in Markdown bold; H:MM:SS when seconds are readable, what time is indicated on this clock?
**5:08**
